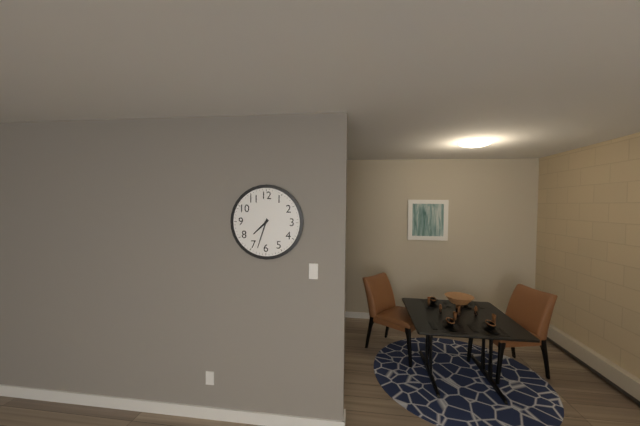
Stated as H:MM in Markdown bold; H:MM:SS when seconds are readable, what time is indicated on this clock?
**7:33**
